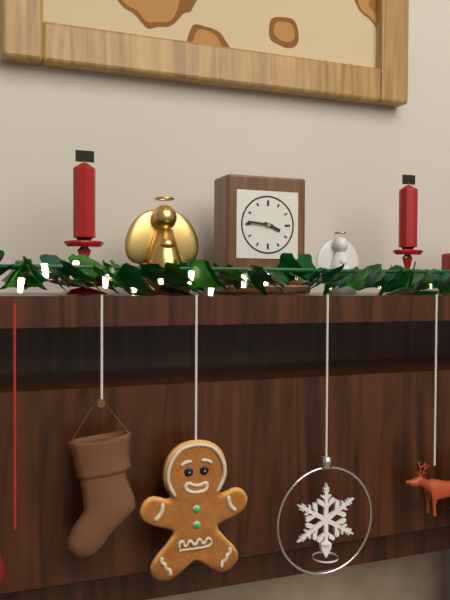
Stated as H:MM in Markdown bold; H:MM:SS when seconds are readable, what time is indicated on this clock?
**3:46**
